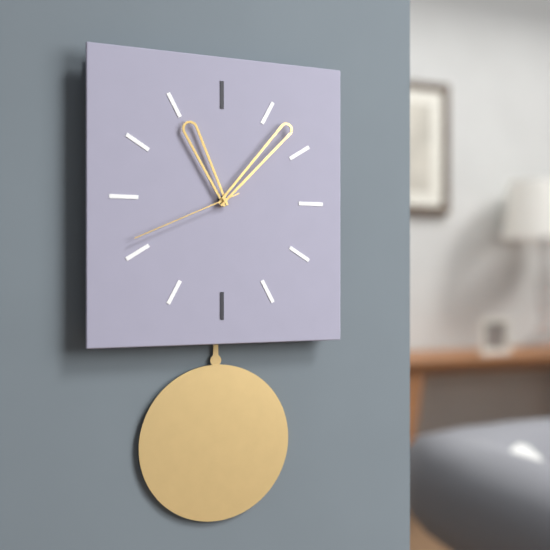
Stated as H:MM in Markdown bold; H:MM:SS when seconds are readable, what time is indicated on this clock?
**11:07:41**
